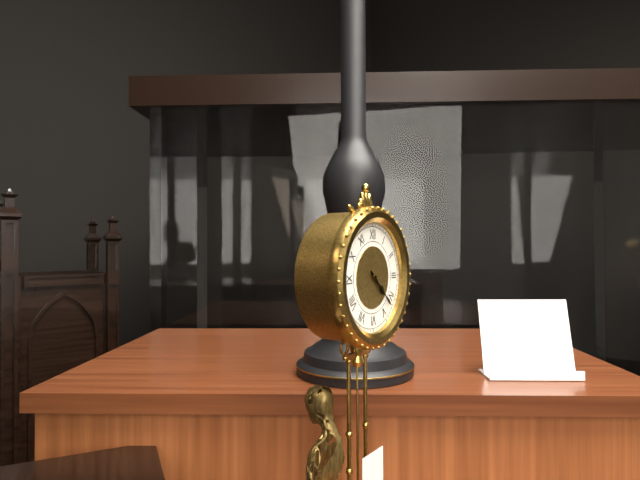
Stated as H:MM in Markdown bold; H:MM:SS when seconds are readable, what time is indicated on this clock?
**4:22**
